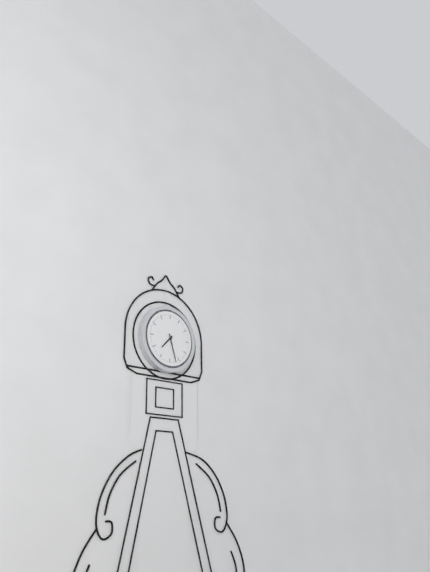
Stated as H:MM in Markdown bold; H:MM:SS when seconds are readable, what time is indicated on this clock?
**7:27**
